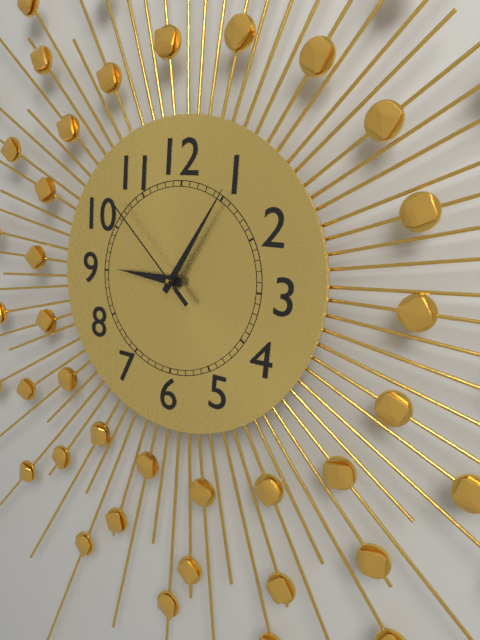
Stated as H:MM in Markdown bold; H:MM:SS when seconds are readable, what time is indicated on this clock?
**9:05:52**
